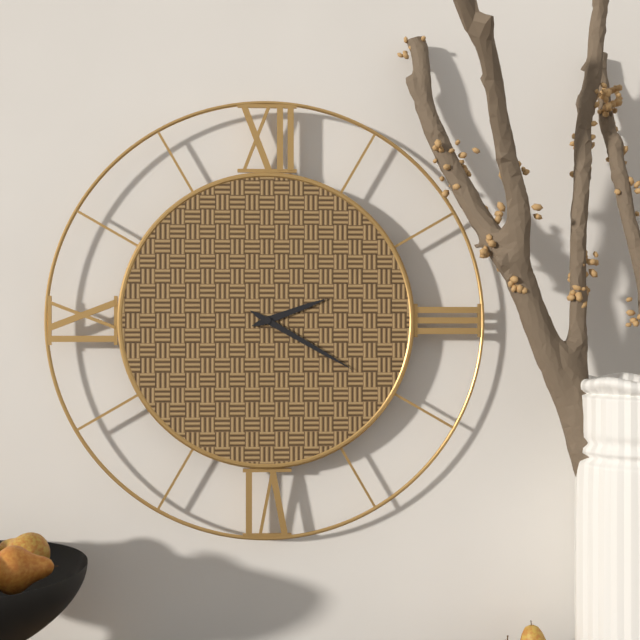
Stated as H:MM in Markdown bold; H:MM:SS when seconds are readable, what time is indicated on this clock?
**2:20**
